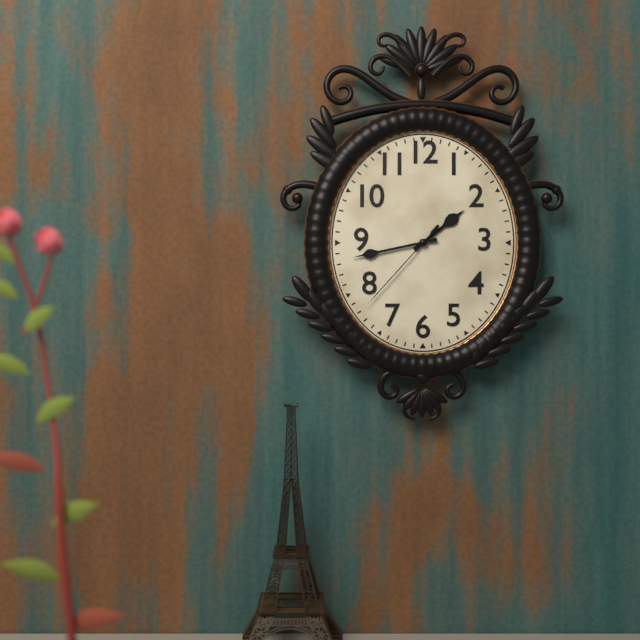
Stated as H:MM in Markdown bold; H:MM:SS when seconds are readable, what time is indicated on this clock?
**1:43:37**
